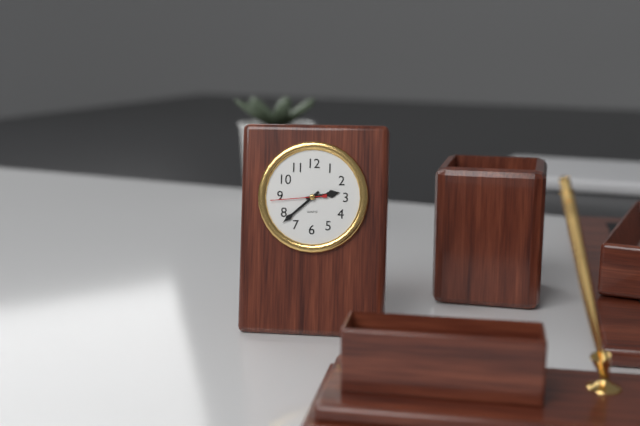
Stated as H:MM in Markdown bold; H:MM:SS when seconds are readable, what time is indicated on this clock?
**2:38:44**
